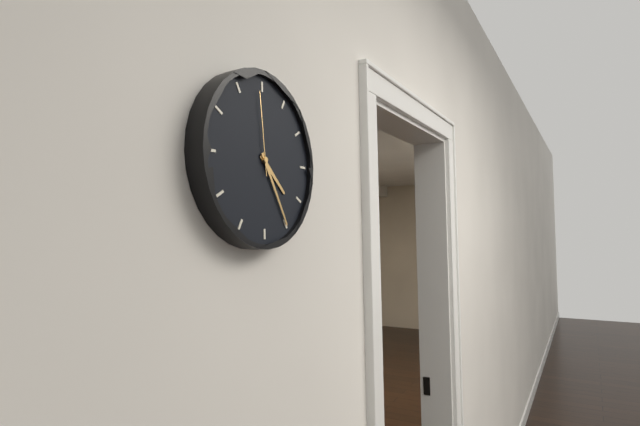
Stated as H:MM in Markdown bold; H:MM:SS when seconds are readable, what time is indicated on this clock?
**4:25:59**
